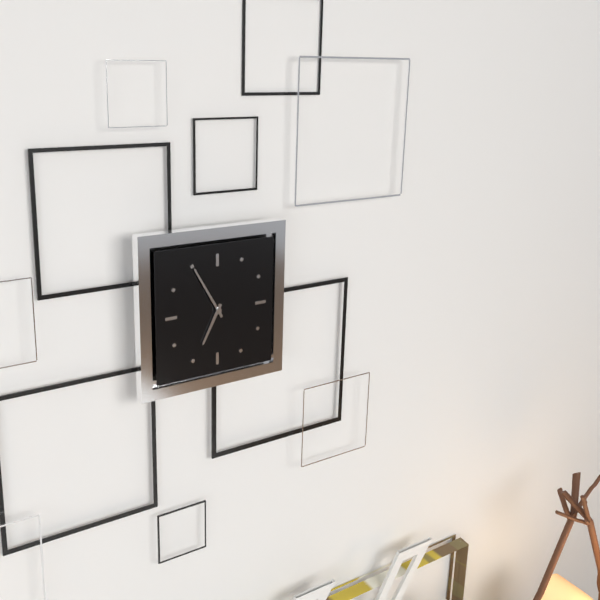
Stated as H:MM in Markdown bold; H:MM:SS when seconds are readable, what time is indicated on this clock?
**6:55**
